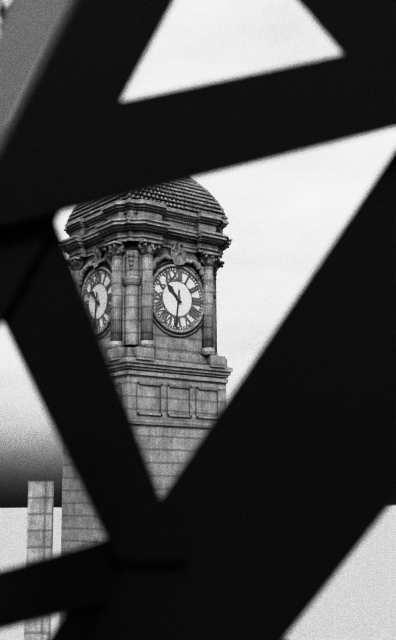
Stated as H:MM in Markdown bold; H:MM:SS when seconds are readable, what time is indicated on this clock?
**10:31**
